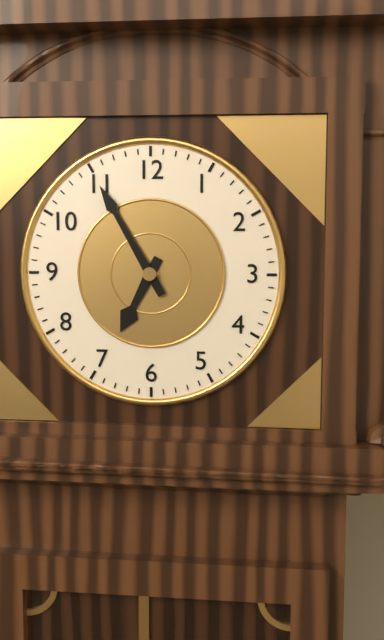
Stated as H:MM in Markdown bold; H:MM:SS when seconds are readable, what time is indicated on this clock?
**6:55**
